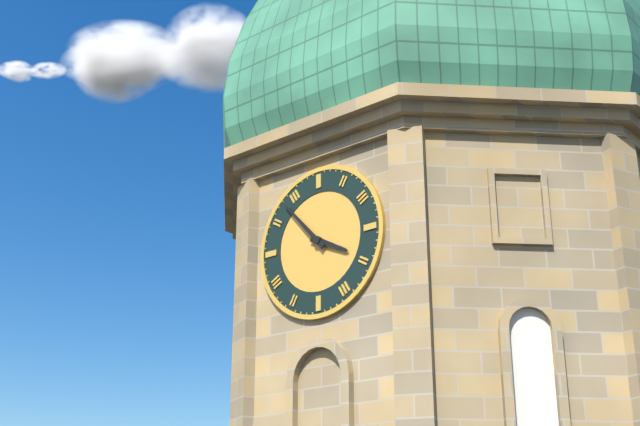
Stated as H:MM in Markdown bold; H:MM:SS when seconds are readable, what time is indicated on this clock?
**3:53**
